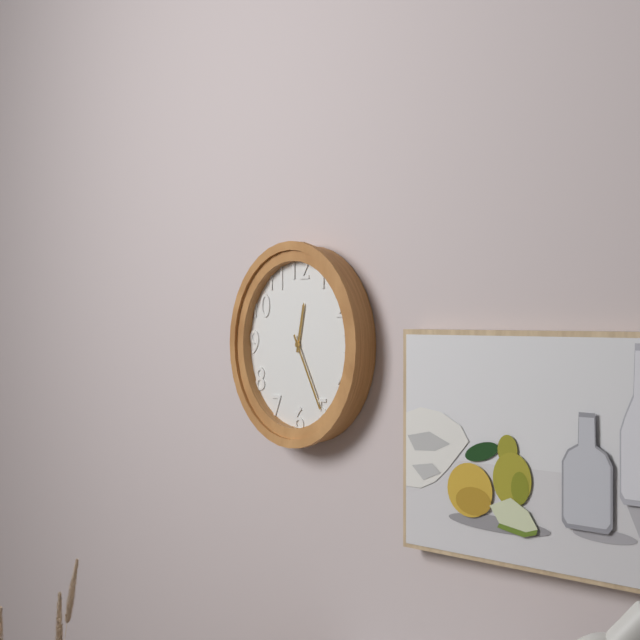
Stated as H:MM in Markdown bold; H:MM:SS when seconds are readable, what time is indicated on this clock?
**12:25**
